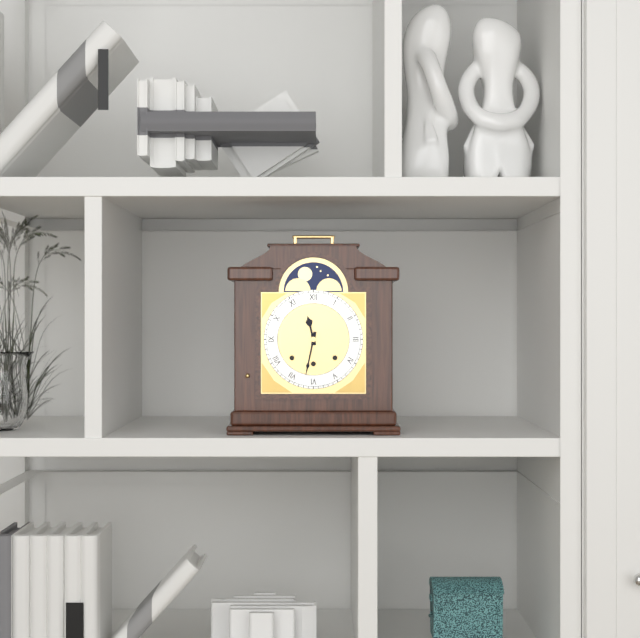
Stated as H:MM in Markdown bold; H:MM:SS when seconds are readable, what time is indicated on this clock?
**11:32**
